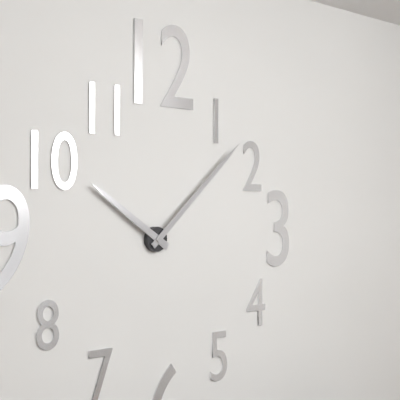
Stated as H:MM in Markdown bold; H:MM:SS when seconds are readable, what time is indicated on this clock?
**10:08**
